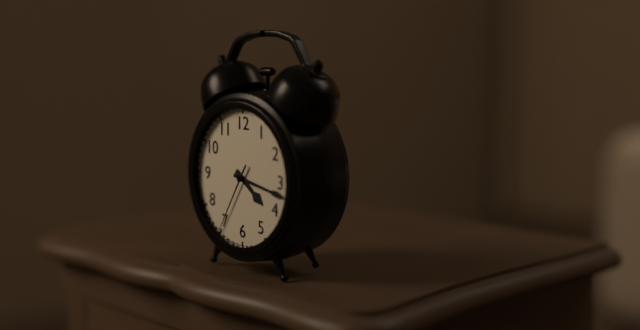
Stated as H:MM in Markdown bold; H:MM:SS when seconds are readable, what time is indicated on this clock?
**4:17:35**
